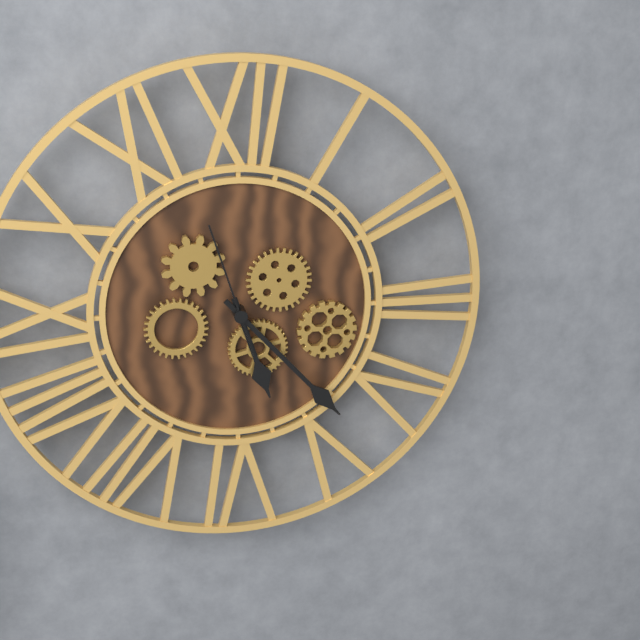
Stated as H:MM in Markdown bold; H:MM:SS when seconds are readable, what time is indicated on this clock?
**5:23:57**
